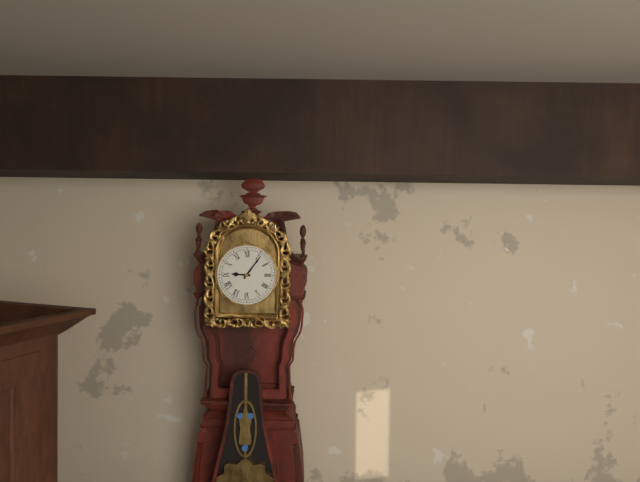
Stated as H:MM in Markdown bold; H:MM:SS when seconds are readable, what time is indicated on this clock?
**9:06**
